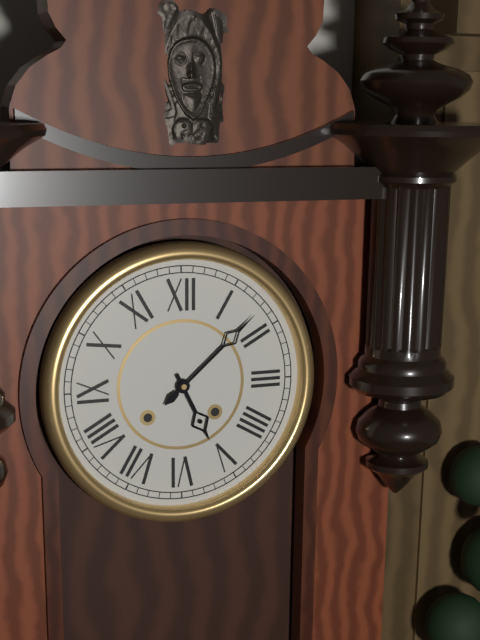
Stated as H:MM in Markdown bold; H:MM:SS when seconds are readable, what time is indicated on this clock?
**5:08**
